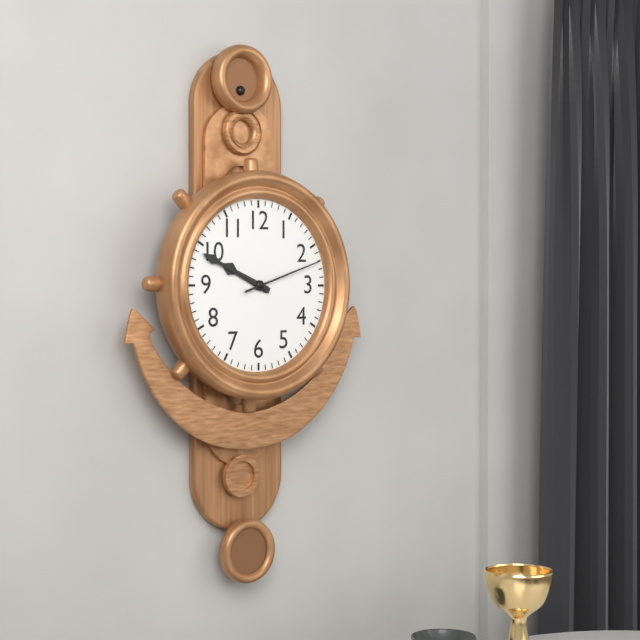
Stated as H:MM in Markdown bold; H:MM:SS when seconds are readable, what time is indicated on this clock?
**9:49:12**
